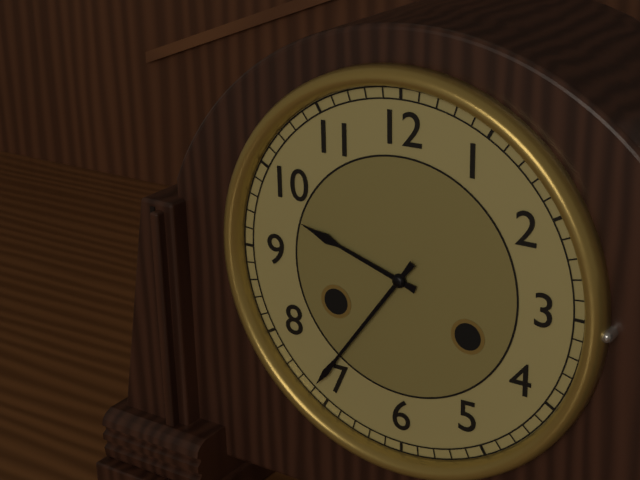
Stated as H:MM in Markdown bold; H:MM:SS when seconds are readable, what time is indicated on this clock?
**9:36**
